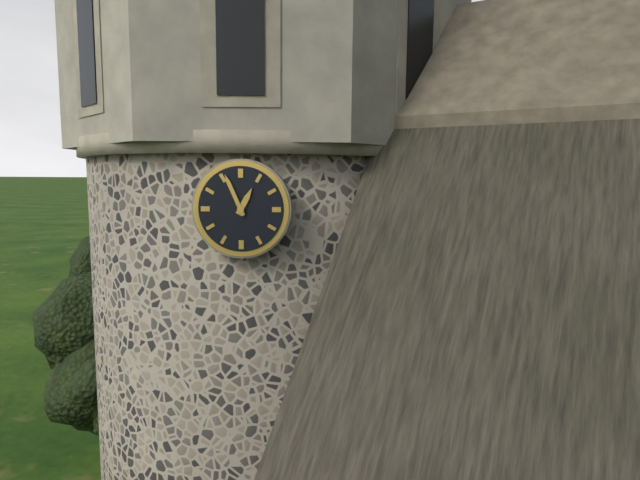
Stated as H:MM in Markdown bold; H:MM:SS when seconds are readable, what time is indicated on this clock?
**12:56**
